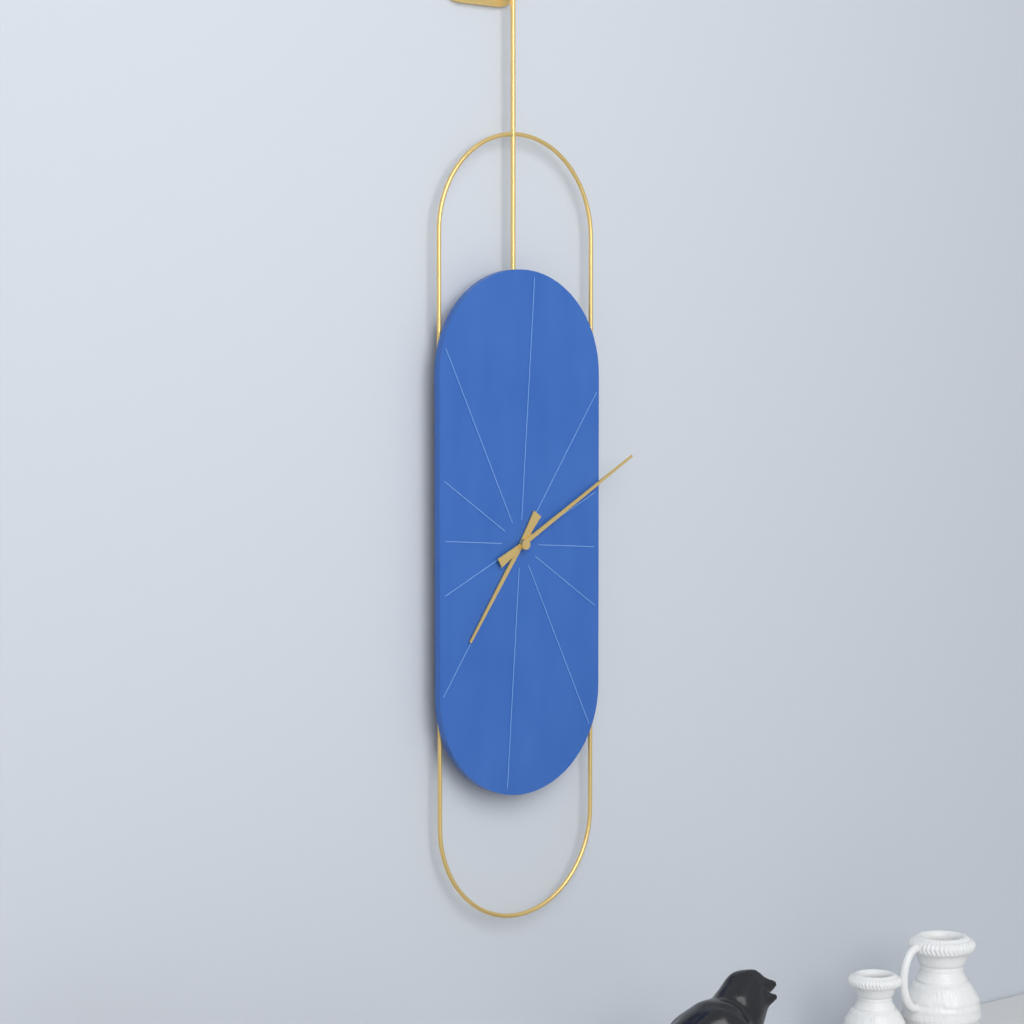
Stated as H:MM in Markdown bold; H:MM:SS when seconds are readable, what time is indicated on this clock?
**7:10**
